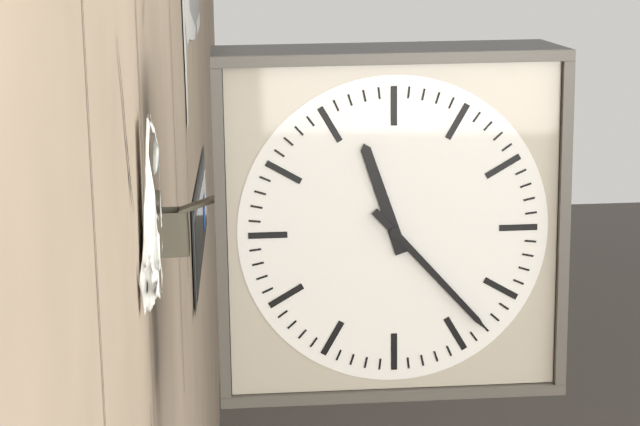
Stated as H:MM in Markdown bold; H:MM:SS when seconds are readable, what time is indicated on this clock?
**11:23**
